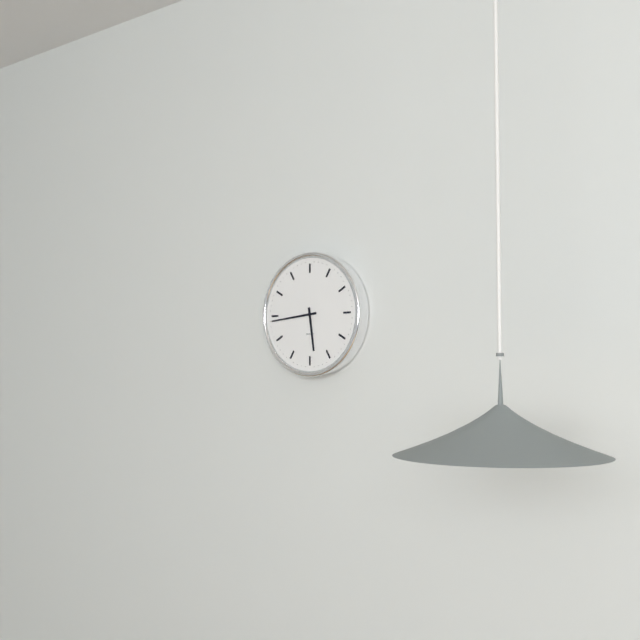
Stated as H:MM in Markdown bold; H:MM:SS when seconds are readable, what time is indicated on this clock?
**5:44**
